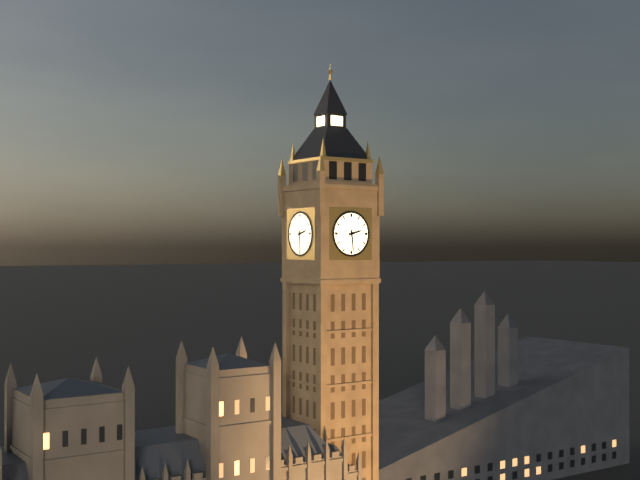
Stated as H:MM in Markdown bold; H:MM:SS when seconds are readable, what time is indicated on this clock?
**2:29**
